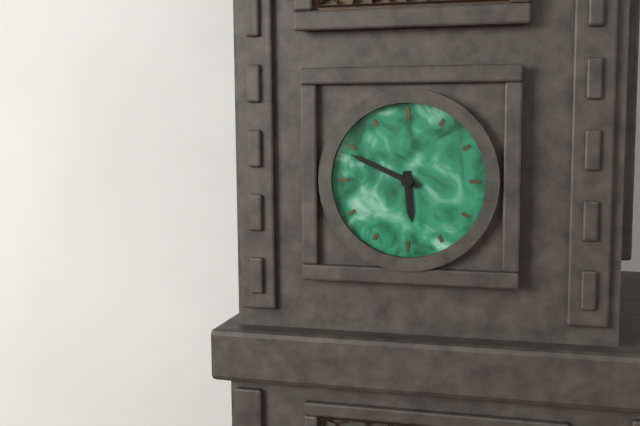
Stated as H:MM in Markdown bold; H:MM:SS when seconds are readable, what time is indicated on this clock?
**5:49**
